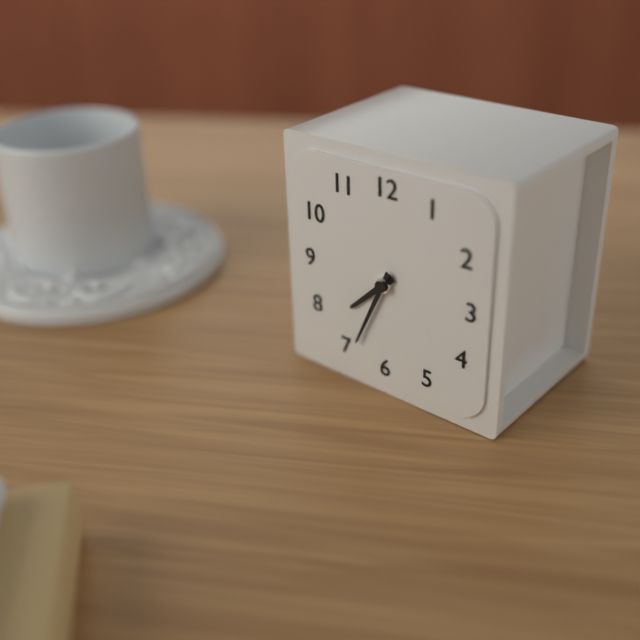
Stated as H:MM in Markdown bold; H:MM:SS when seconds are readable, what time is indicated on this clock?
**7:34**
